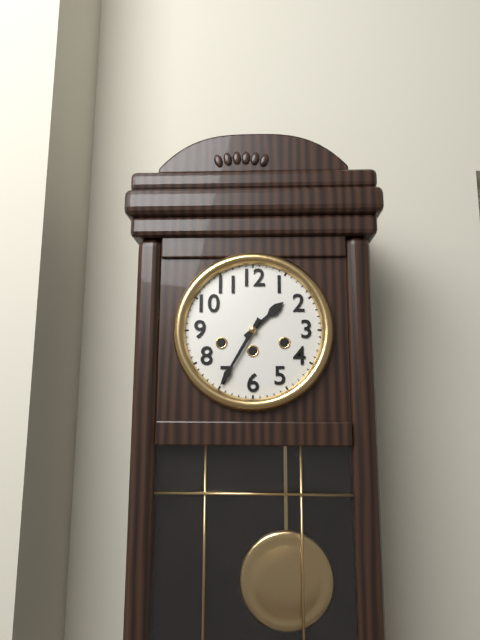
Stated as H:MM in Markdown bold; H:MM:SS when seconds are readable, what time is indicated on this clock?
**1:35**
